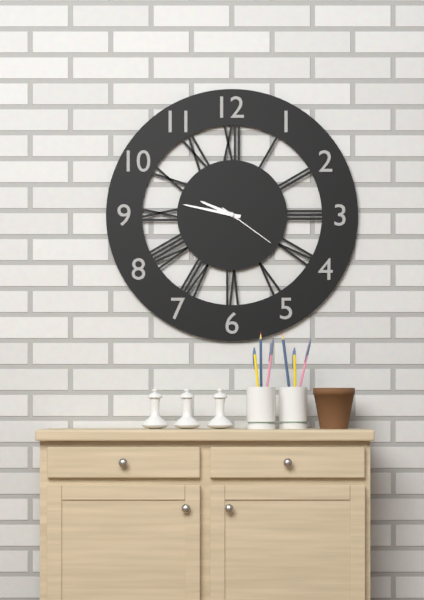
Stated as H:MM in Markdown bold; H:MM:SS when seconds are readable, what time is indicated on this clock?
**9:47:21**
